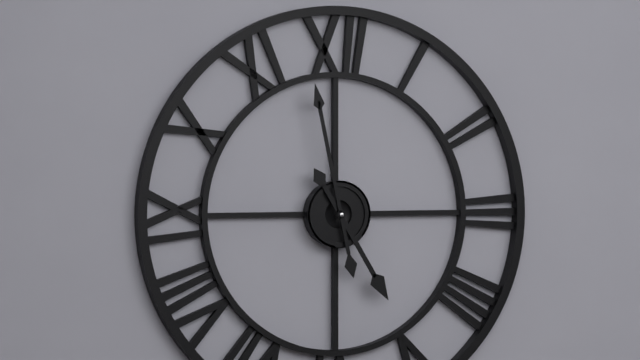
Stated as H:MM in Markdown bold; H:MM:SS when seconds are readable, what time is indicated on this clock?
**4:58**
